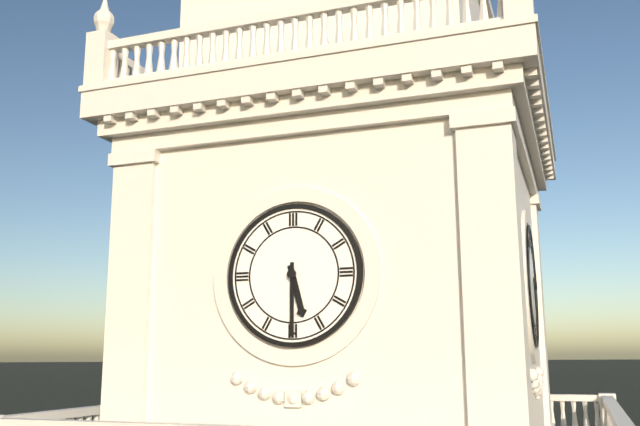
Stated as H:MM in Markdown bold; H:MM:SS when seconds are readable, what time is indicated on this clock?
**5:30**
